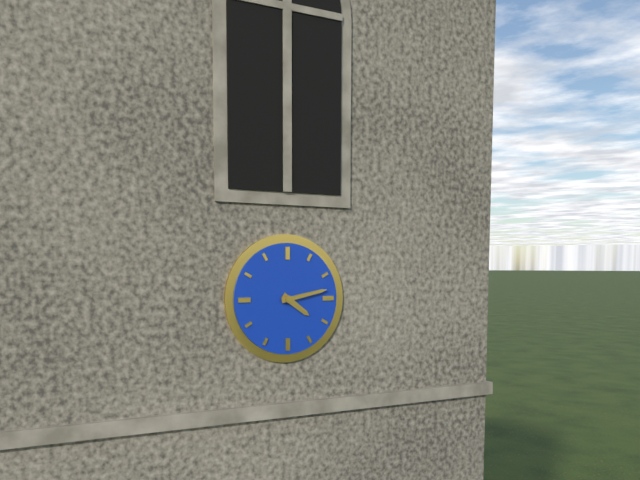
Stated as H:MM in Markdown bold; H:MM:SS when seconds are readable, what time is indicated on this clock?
**4:13**
